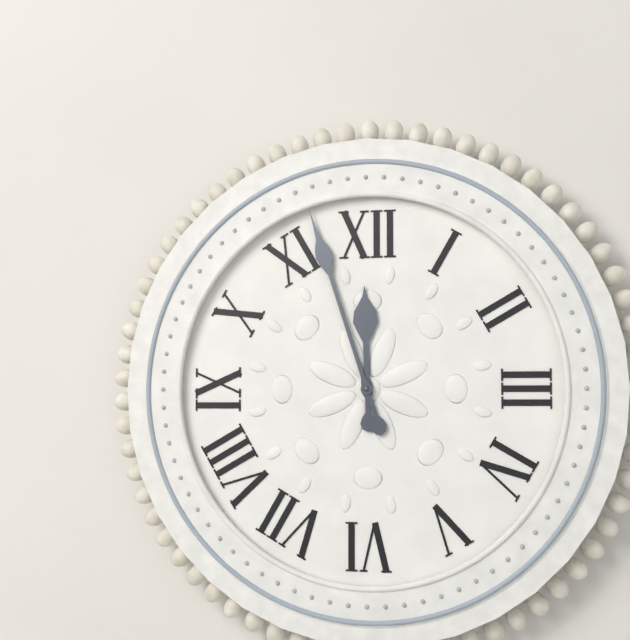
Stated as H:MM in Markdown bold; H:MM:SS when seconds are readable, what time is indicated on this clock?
**11:57**
